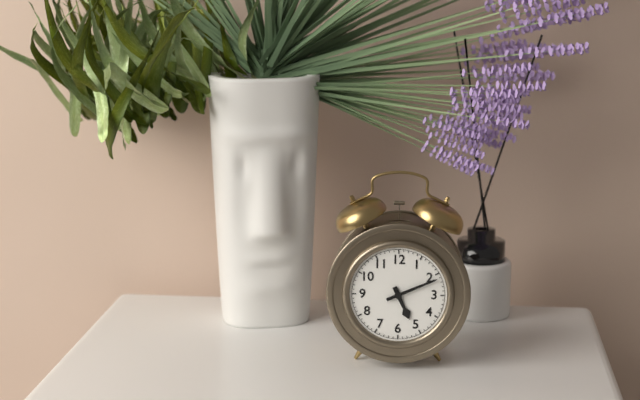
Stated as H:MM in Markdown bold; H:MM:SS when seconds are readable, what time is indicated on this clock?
**5:11**
